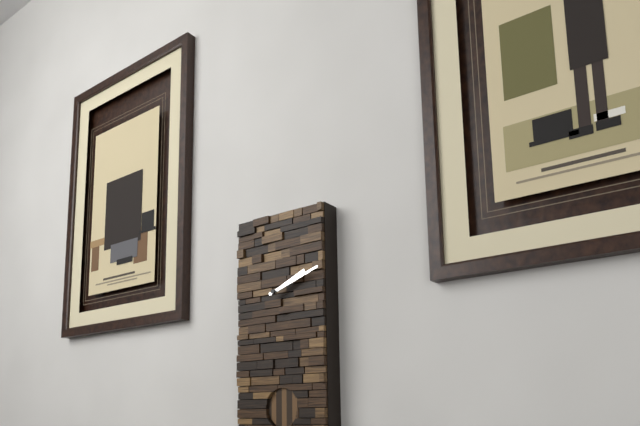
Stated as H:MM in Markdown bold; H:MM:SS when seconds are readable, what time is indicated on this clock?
**2:12**
